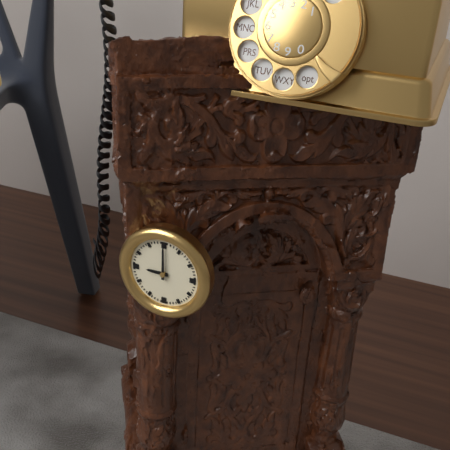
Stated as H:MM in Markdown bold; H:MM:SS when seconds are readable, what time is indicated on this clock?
**9:00**
